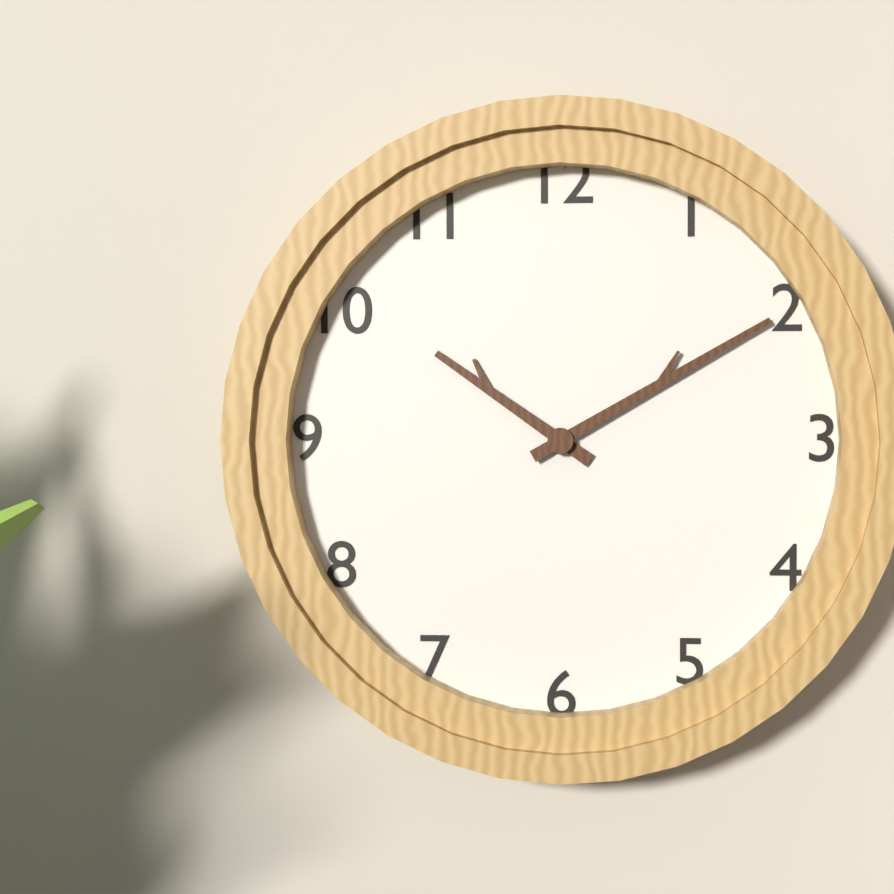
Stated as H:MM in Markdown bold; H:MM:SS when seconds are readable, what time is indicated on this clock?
**10:10**
